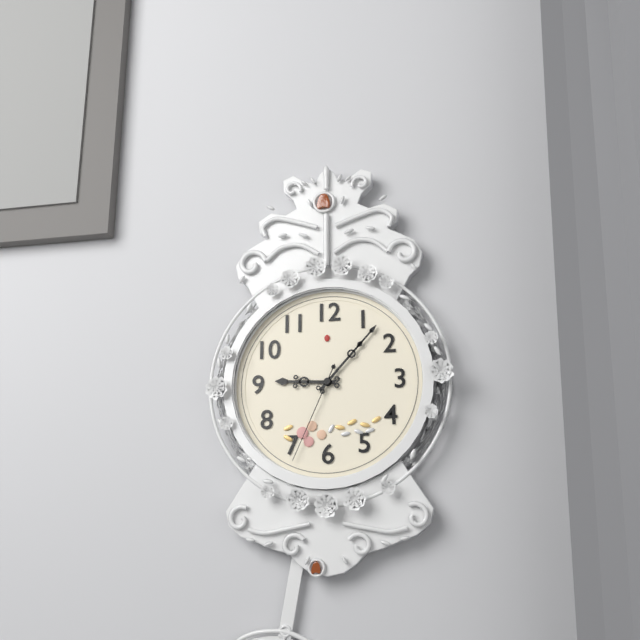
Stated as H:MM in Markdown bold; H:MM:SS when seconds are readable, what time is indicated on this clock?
**9:07:34**
